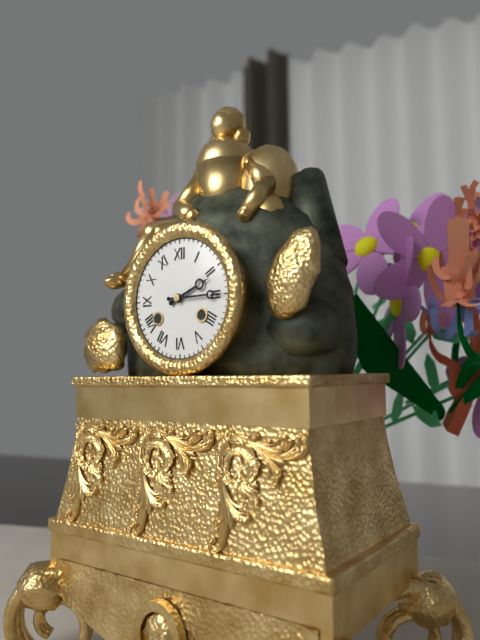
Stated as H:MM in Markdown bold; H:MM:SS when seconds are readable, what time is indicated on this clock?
**2:15**
